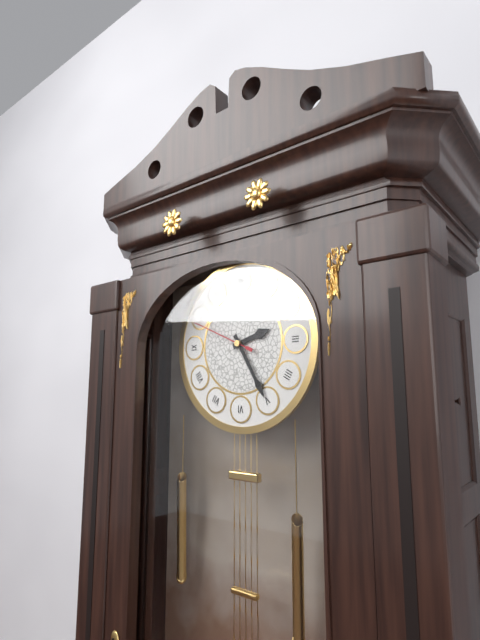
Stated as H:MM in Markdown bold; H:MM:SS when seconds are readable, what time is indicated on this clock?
**2:25:49**
